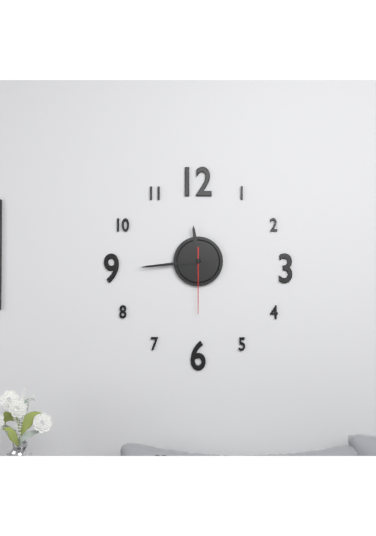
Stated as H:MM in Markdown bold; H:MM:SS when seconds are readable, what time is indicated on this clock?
**11:44:30**
